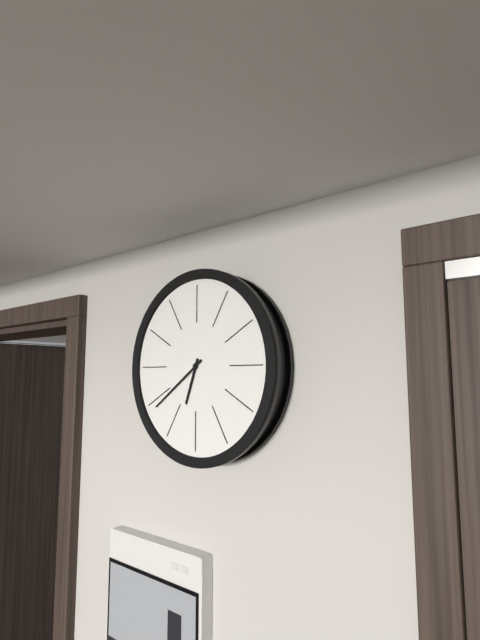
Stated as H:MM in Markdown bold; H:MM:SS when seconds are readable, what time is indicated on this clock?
**6:39**
